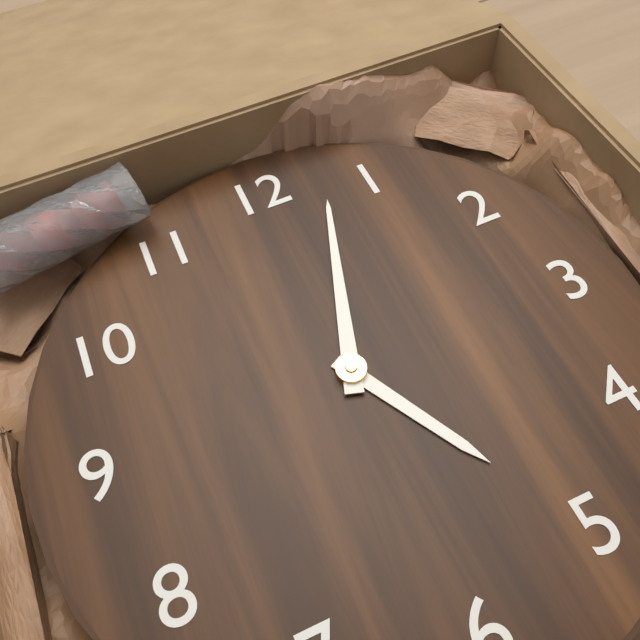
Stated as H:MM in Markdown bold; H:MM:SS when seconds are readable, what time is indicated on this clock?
**5:03**
